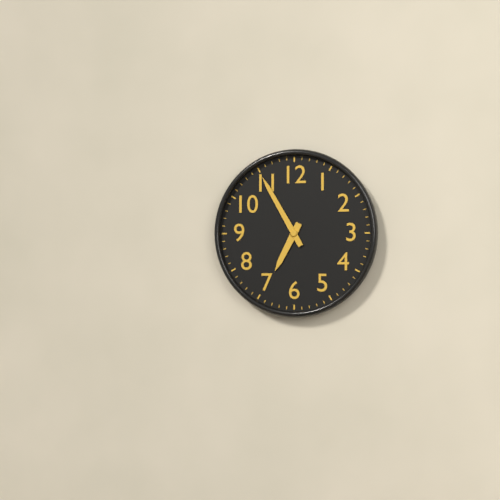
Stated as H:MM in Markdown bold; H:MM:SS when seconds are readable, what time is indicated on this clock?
**6:55**
